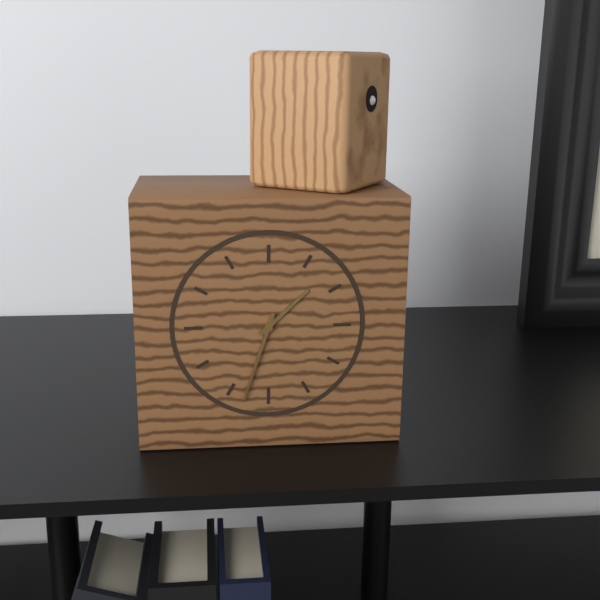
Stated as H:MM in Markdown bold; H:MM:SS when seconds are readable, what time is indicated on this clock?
**1:33**
